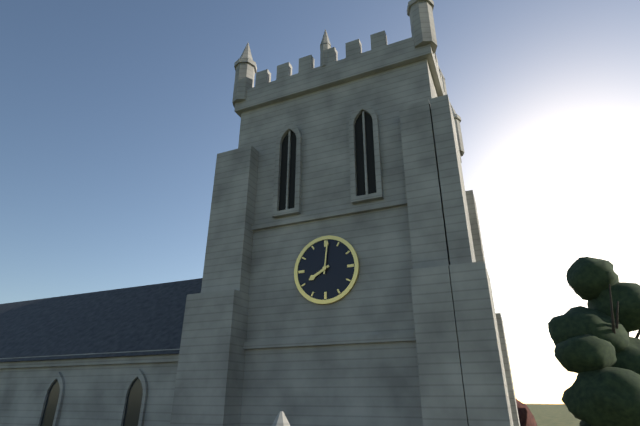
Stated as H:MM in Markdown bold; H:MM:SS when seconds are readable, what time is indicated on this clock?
**8:01**
